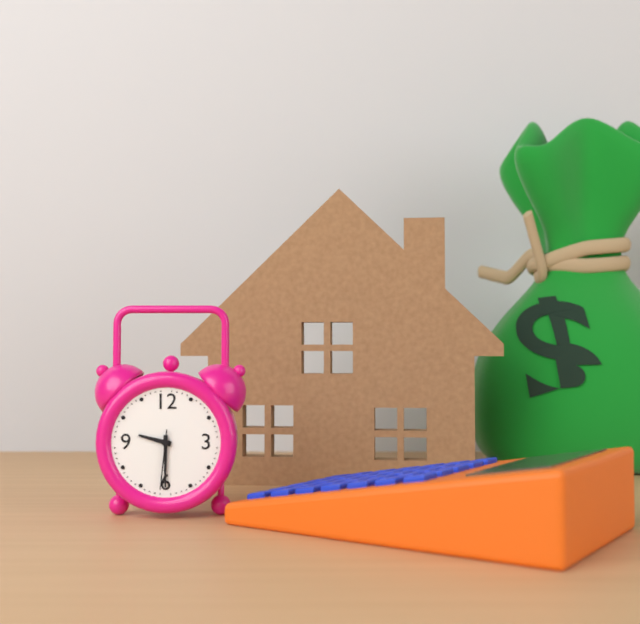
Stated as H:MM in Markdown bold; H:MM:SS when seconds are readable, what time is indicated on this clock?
**9:30:31**
